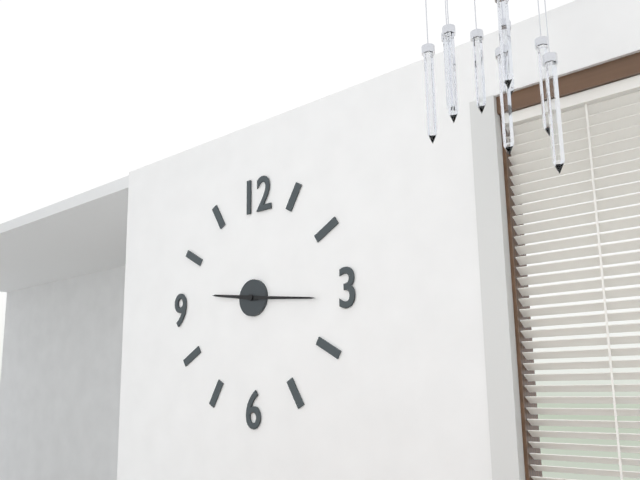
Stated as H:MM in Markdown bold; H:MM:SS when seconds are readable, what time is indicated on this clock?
**9:16**
